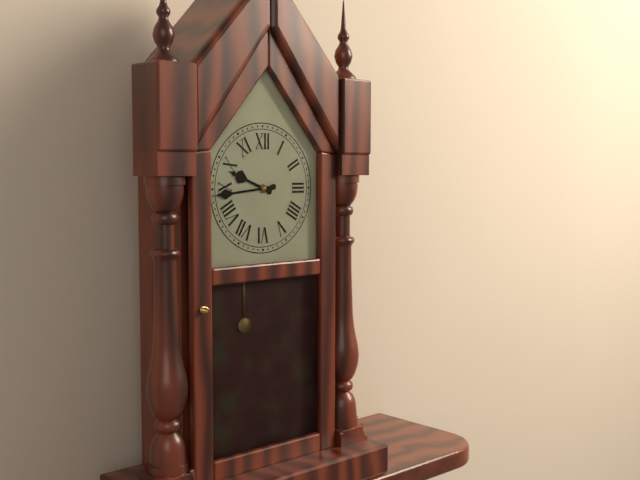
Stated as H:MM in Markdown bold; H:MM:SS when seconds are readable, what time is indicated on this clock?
**9:44**
